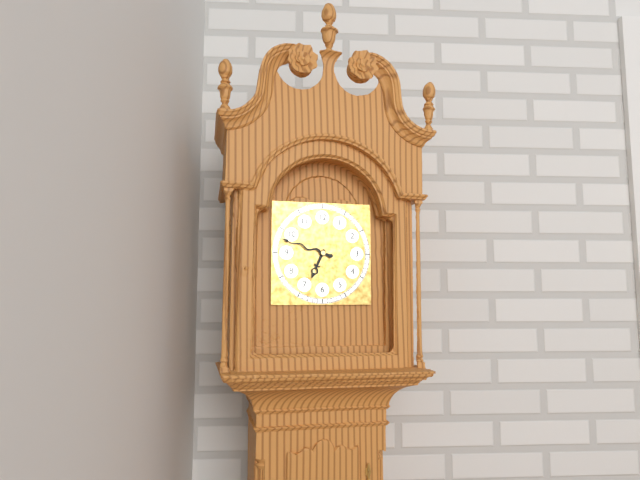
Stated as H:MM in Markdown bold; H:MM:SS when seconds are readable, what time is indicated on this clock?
**6:48**
